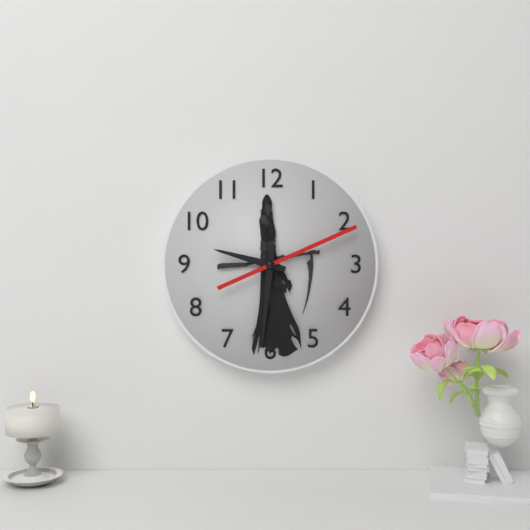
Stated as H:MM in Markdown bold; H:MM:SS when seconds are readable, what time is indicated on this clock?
**9:31:11**
